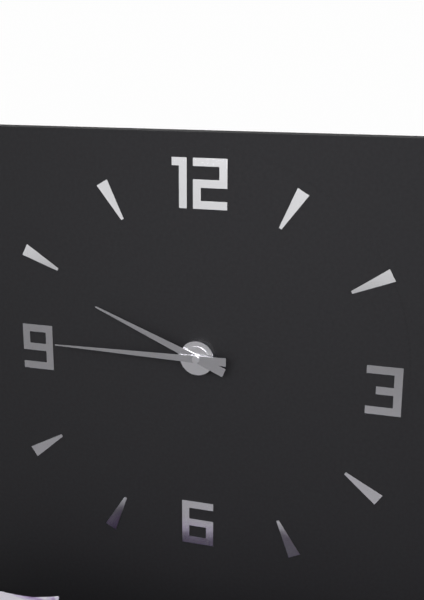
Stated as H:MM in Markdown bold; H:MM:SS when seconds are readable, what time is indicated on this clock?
**9:45**
